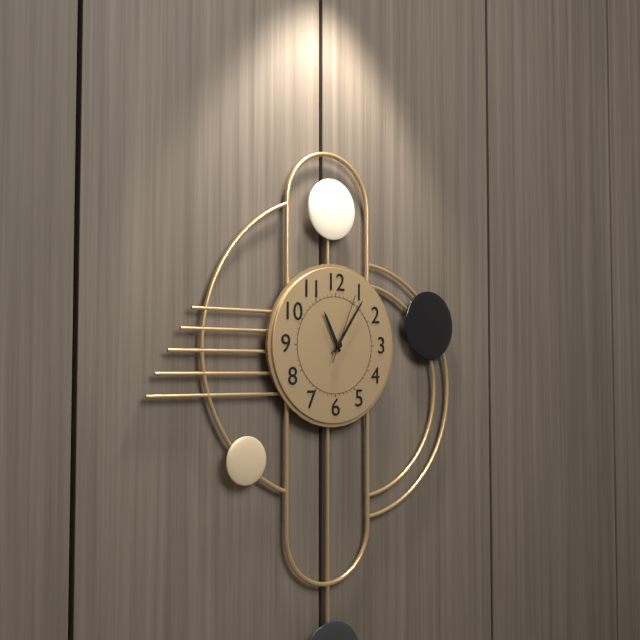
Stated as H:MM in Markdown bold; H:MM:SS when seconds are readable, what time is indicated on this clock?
**11:06:04**
